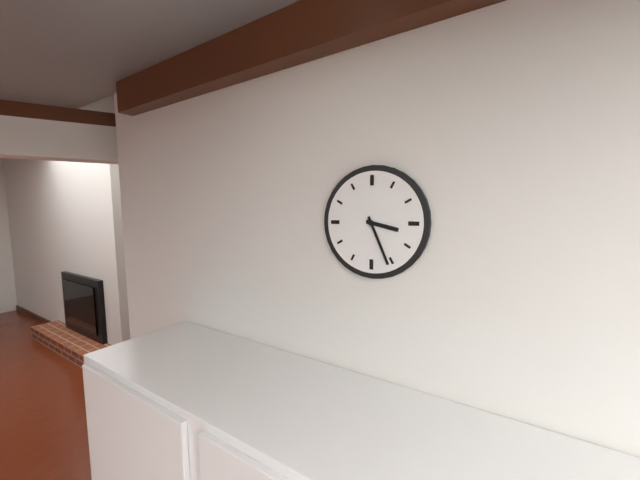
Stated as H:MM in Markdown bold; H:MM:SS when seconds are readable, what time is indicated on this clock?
**3:26**
